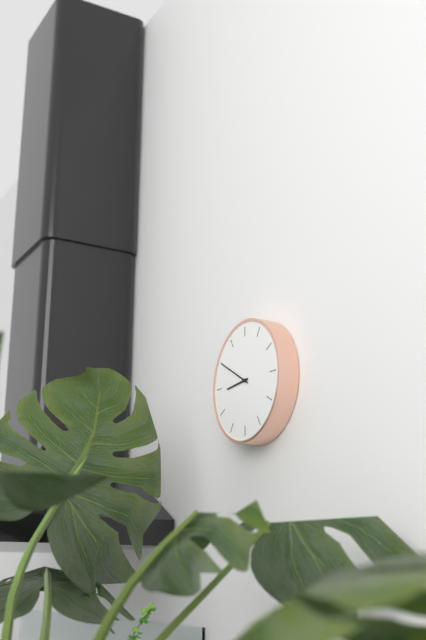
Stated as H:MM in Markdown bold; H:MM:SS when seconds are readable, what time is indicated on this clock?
**8:50**
